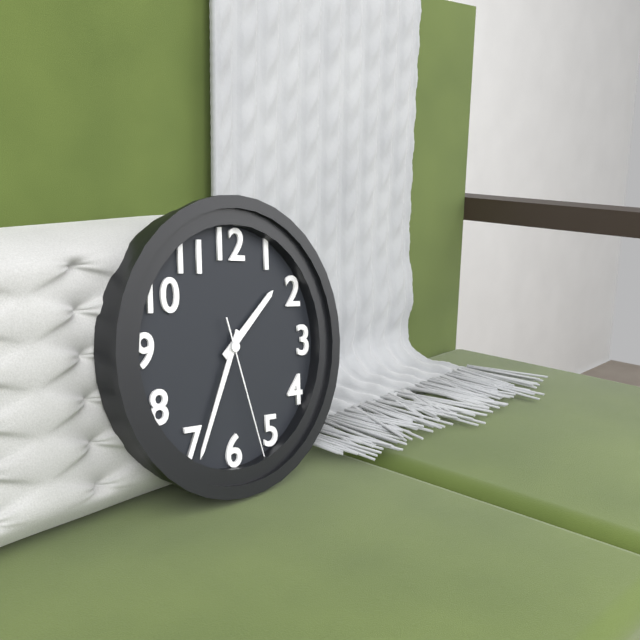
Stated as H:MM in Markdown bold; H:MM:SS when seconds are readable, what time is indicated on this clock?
**1:34:27**
